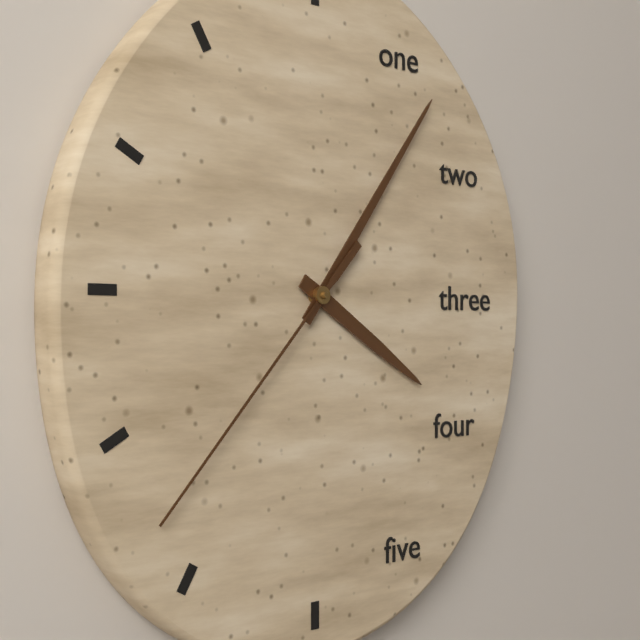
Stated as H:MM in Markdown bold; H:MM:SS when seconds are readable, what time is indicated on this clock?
**4:06:37**
